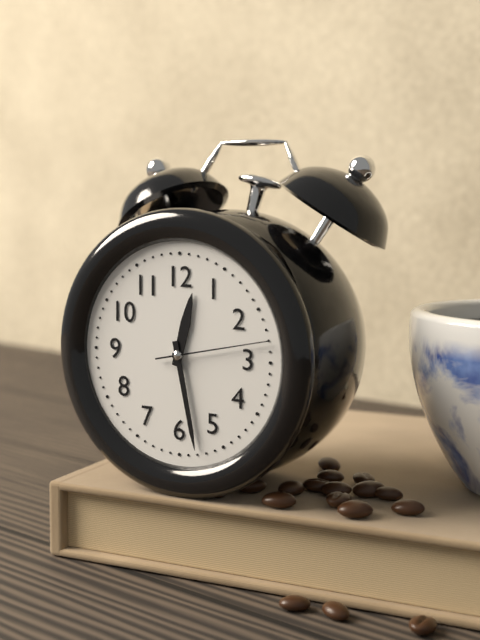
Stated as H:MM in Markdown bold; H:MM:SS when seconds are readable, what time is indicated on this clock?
**12:28:13**
